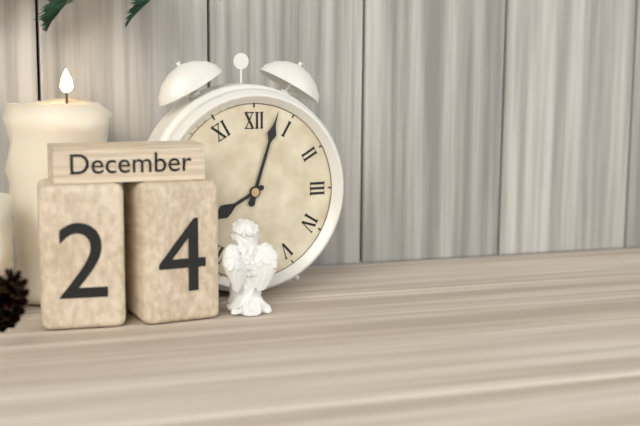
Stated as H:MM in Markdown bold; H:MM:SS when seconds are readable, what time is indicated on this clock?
**8:03**
